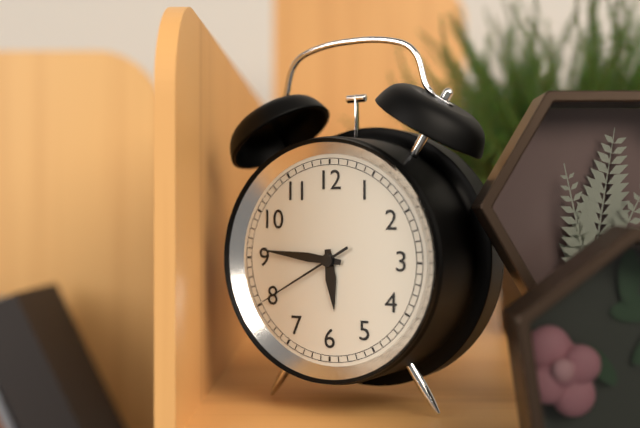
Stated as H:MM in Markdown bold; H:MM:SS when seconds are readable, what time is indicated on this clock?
**5:46:40**
